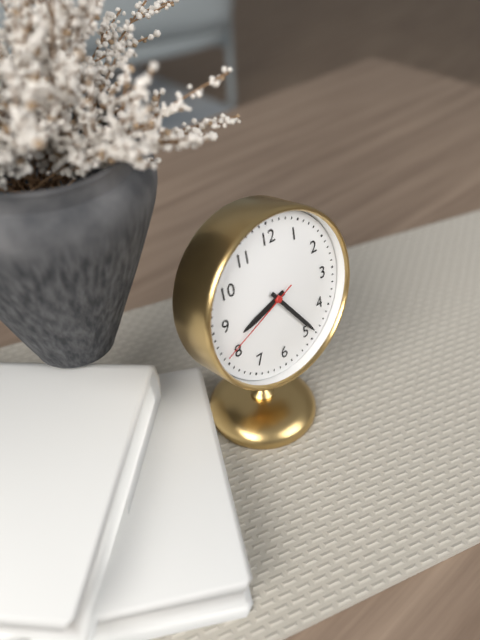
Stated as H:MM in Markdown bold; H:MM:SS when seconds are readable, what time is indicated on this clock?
**8:24:41**
